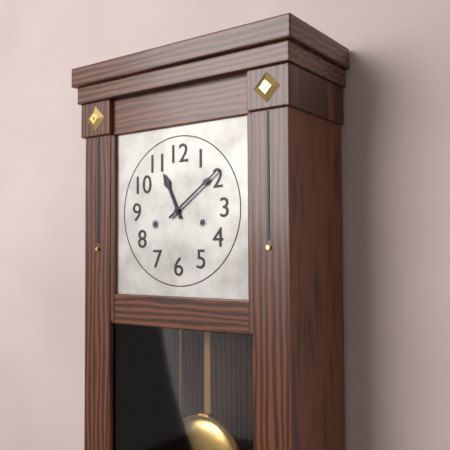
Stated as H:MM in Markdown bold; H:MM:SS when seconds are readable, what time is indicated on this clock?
**11:09**
